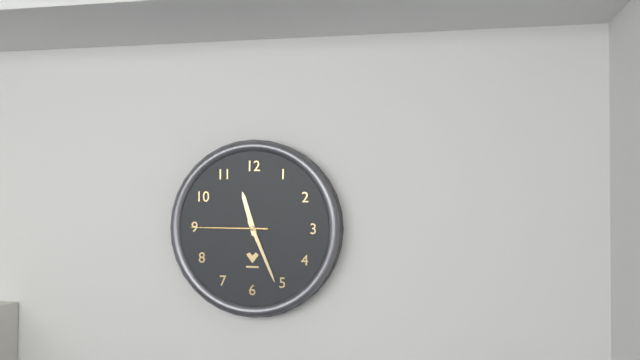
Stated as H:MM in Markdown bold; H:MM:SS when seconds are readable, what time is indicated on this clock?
**11:26:45**
